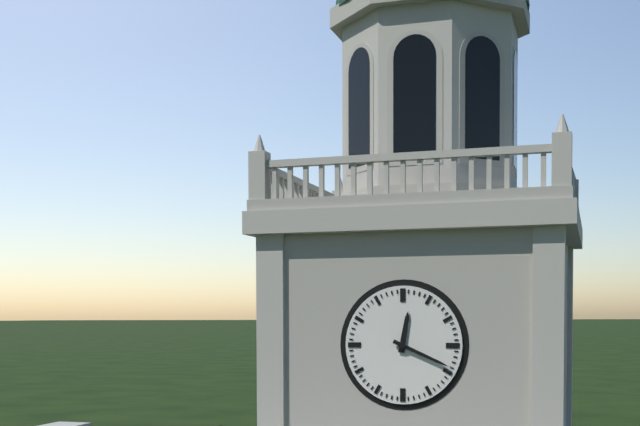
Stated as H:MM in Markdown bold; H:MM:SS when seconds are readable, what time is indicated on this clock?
**12:19**
